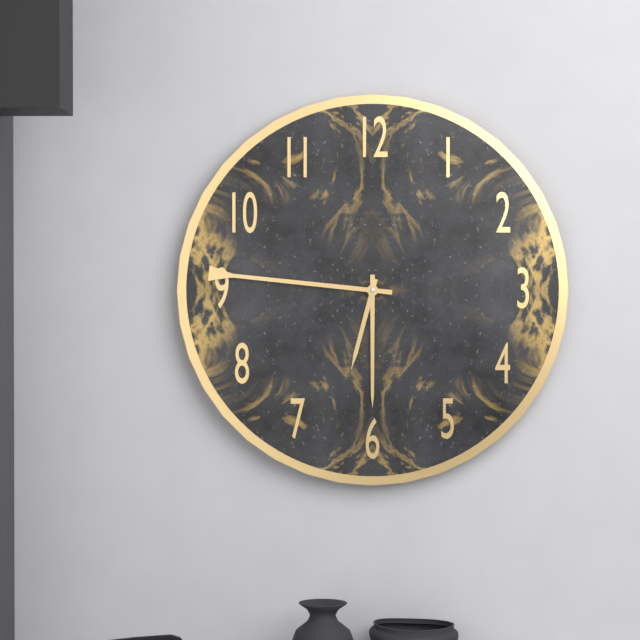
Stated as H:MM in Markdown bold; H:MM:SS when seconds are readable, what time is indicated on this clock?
**6:30:46**
